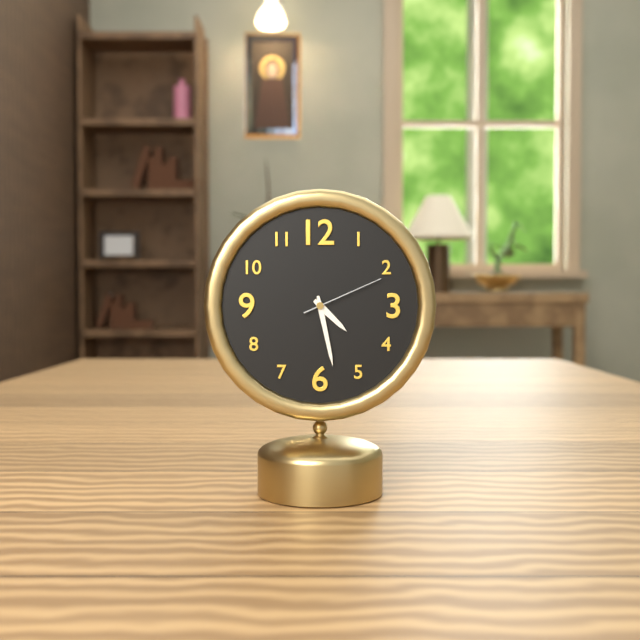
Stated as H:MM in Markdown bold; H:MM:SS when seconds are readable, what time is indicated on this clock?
**4:28:11**
